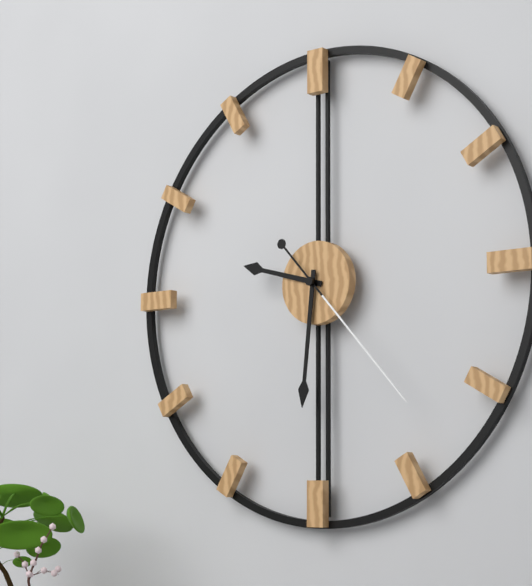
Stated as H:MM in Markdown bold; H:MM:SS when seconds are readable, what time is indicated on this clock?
**9:31:23**
